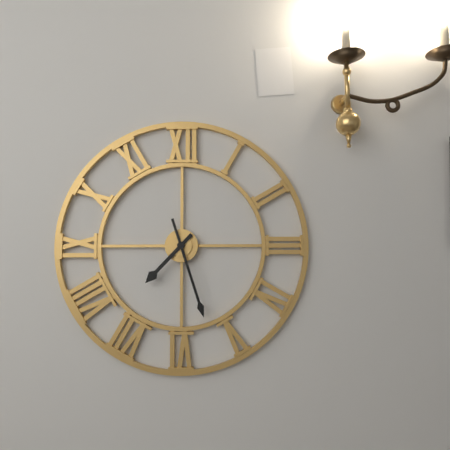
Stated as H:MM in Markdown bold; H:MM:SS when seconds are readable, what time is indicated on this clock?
**7:27**
